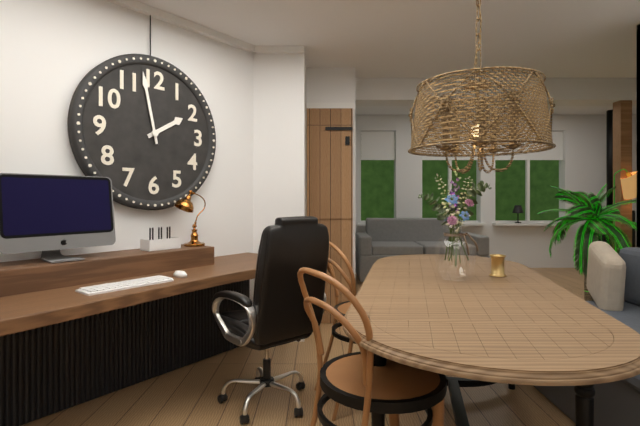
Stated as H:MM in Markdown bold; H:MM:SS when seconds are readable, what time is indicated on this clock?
**1:58**
